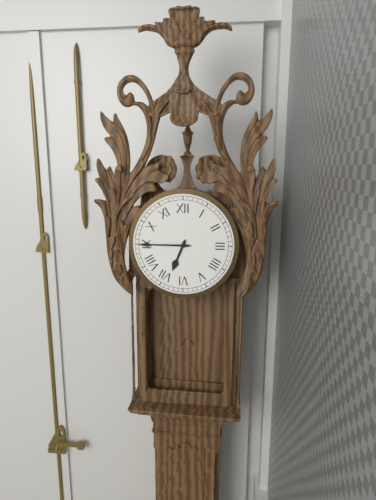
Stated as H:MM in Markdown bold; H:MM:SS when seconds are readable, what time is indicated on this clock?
**6:45**
